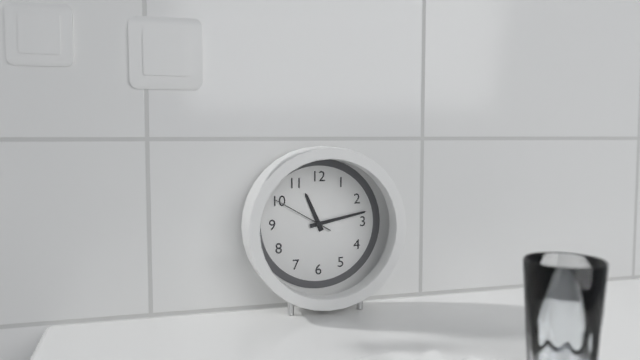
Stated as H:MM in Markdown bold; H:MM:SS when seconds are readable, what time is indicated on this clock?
**11:13:50**
